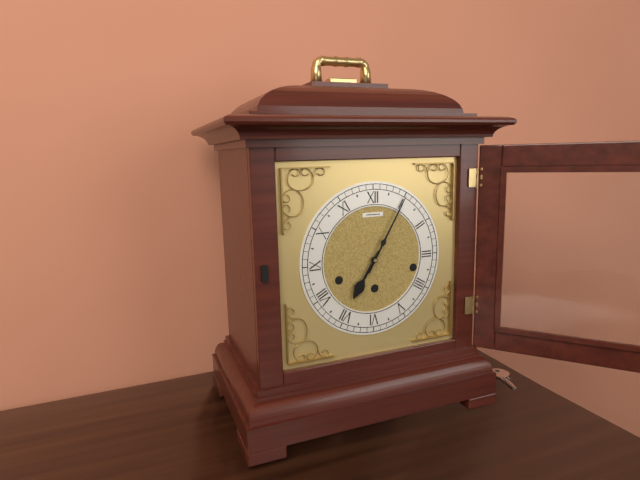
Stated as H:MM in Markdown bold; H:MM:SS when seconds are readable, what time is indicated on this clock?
**7:05**
